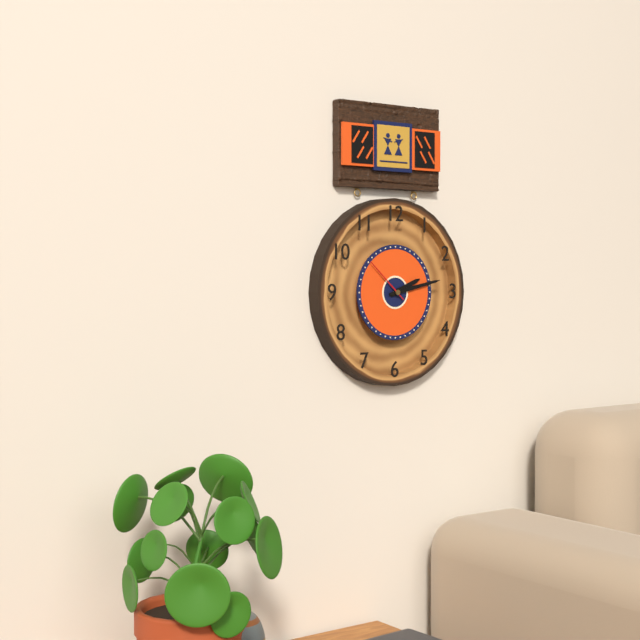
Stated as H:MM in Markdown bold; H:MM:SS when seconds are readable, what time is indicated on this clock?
**2:13:52**
